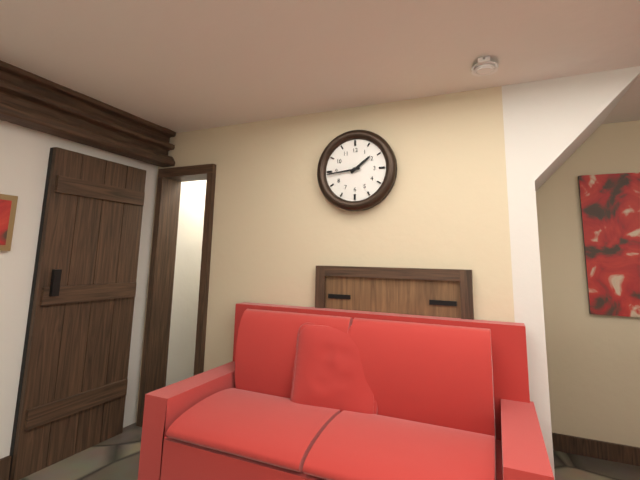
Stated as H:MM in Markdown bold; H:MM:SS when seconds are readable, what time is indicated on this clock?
**1:44**
